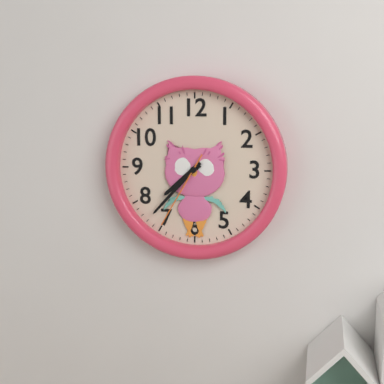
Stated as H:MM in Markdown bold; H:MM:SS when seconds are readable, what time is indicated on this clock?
**7:37:35**
